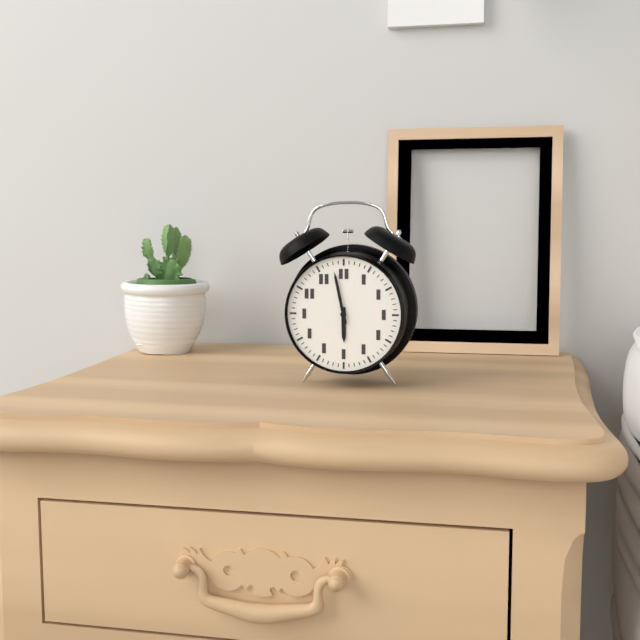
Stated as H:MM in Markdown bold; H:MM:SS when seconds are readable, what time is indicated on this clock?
**5:58**
